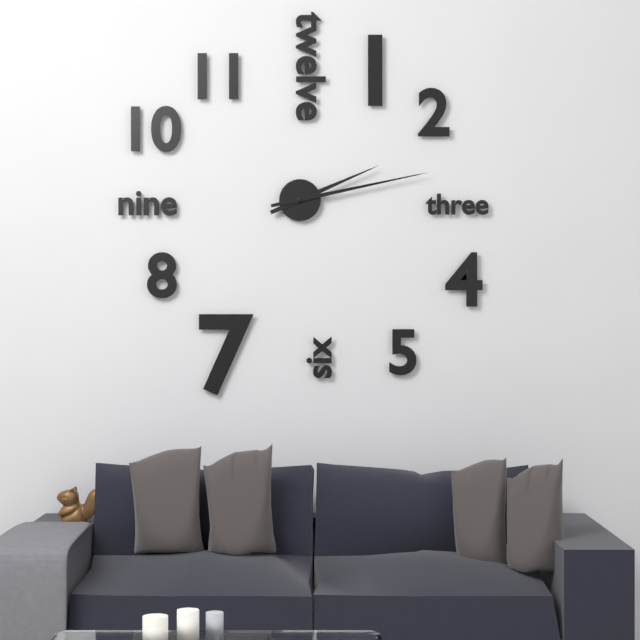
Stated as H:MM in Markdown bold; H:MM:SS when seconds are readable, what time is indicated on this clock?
**2:13**
